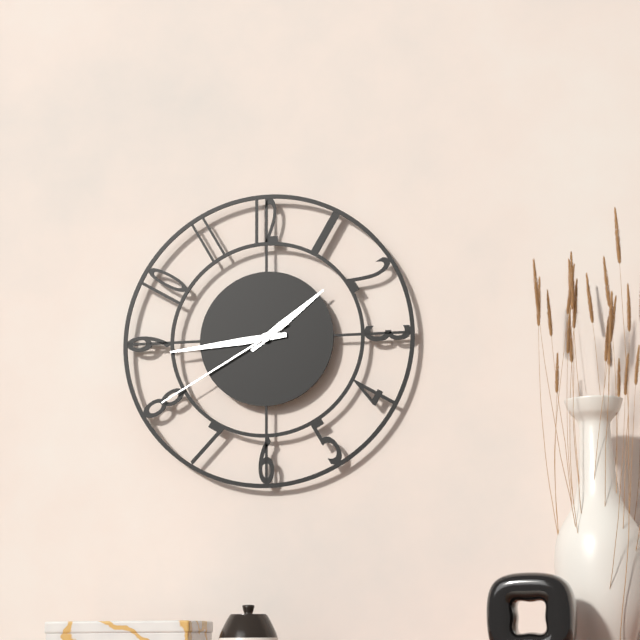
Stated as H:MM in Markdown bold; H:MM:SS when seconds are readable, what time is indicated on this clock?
**1:44:40**
